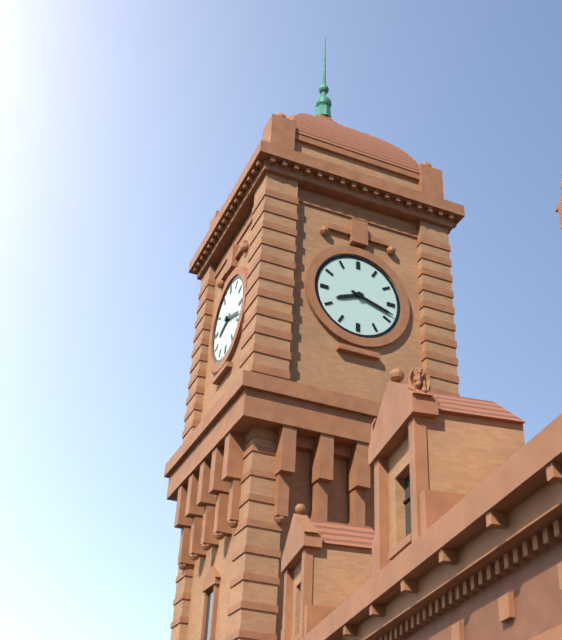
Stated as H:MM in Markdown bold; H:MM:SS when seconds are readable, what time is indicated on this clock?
**8:18**
